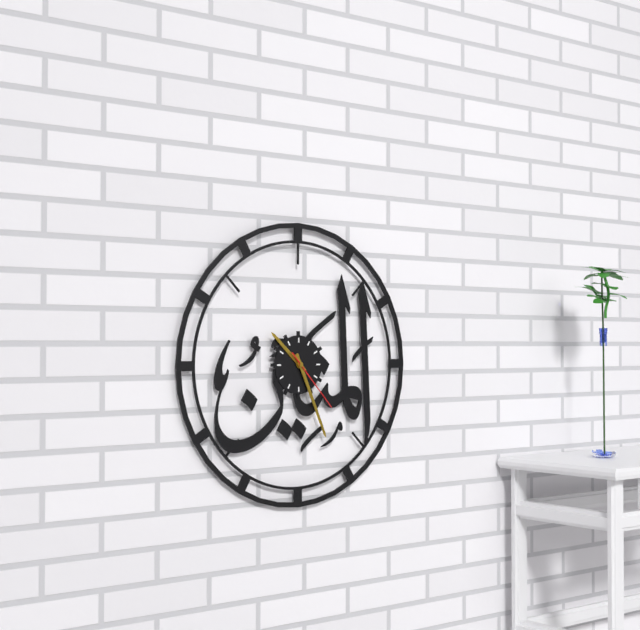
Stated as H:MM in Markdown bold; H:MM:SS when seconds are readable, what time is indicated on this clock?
**10:26:23**
